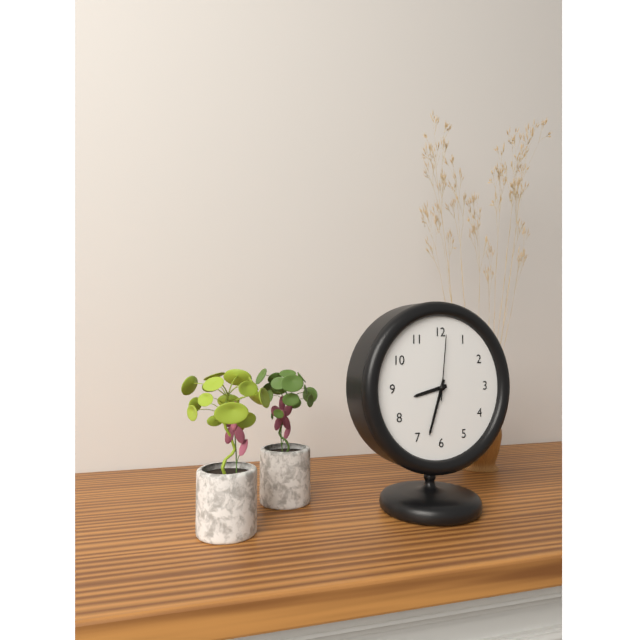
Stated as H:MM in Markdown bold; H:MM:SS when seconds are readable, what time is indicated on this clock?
**8:33:01**
